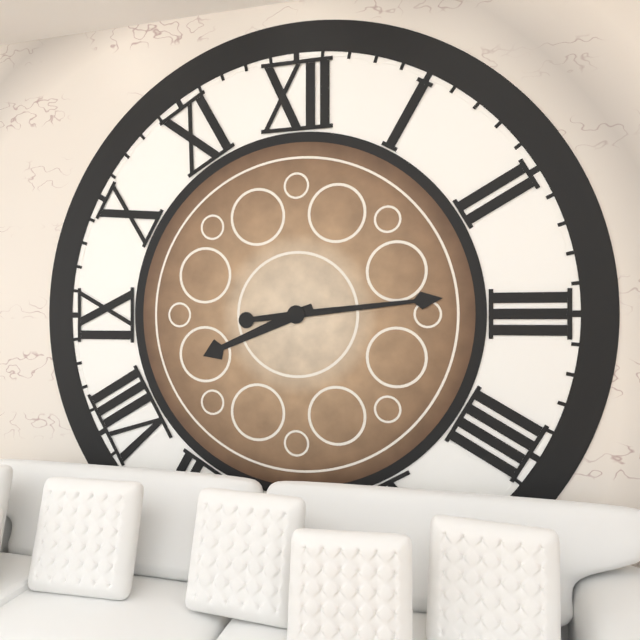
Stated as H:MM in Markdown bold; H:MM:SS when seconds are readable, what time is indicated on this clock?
**8:14**
